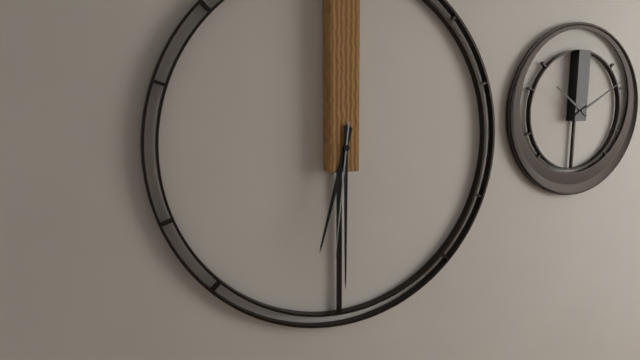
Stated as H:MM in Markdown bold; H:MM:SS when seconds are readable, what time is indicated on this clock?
**6:30:31**
